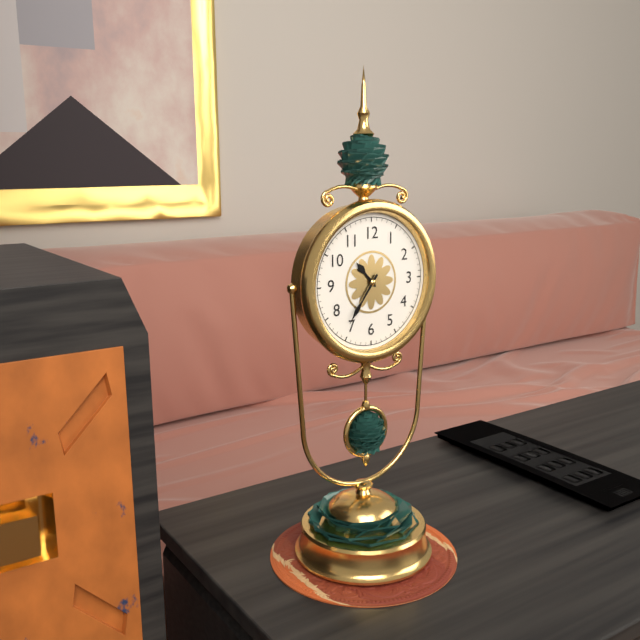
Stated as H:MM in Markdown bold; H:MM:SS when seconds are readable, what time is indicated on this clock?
**10:36**
